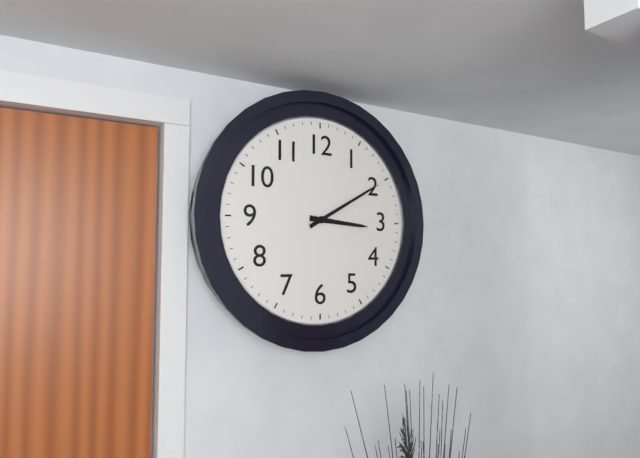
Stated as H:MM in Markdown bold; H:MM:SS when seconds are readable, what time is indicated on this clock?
**3:10**
